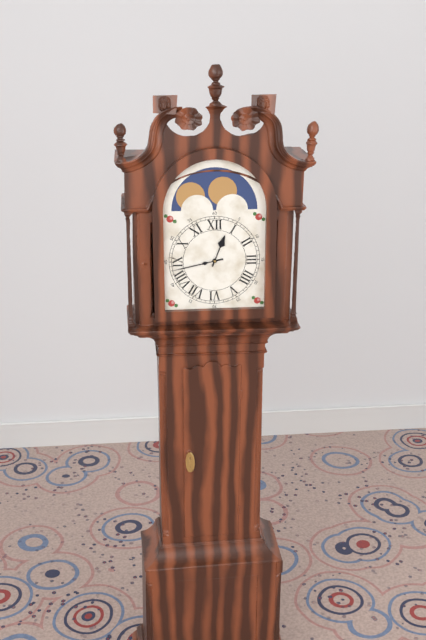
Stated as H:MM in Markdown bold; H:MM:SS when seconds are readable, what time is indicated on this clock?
**12:43**
